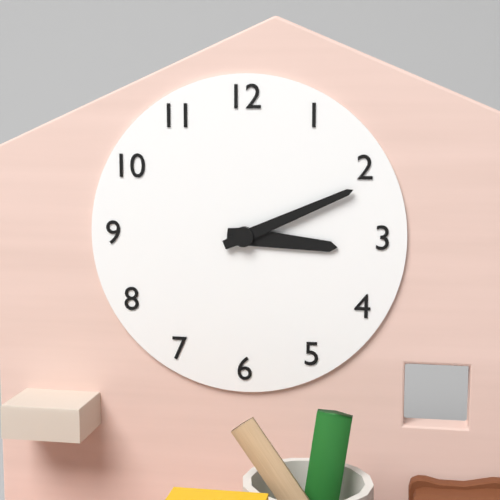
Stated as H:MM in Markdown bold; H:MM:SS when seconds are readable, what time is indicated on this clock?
**3:11**
